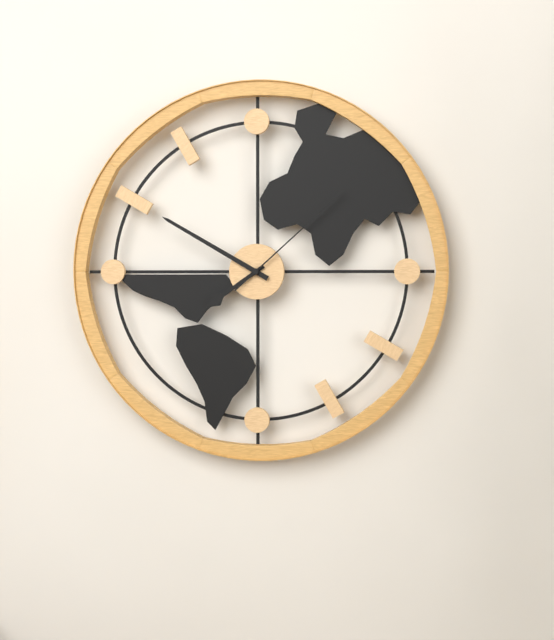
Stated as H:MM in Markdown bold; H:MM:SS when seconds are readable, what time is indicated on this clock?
**7:50:08**
